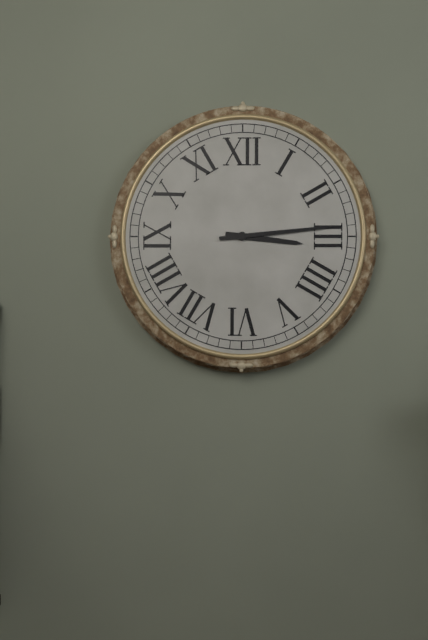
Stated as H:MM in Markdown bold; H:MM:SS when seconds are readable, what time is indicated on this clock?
**3:14**
